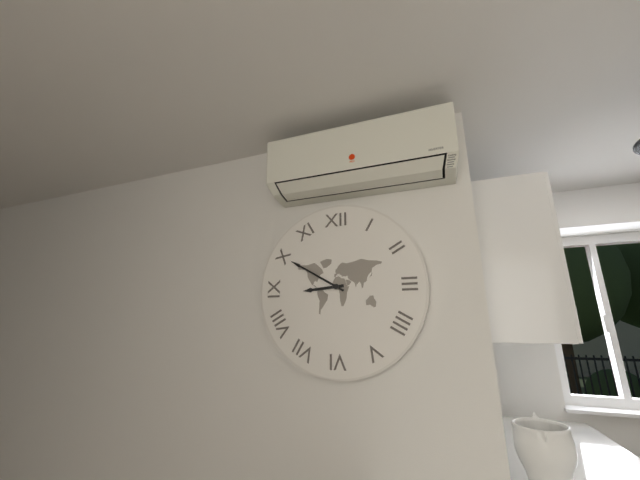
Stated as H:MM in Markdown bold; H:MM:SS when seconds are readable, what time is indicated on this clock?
**8:50**
